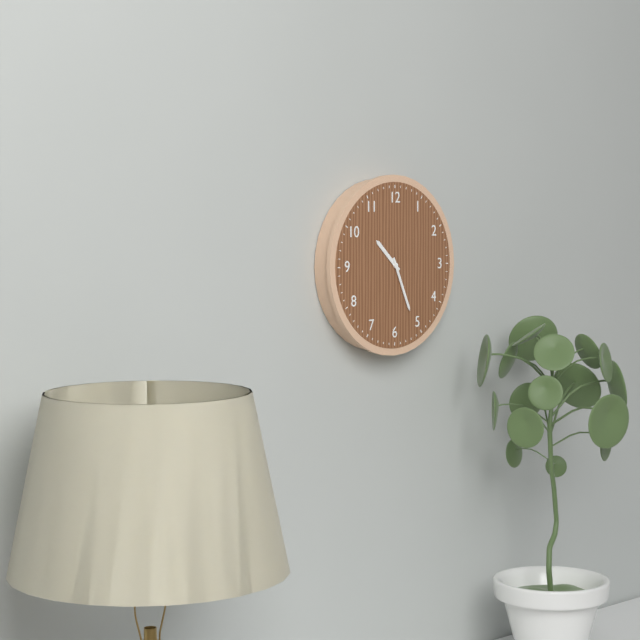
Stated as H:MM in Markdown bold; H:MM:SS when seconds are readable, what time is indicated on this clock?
**10:26**
